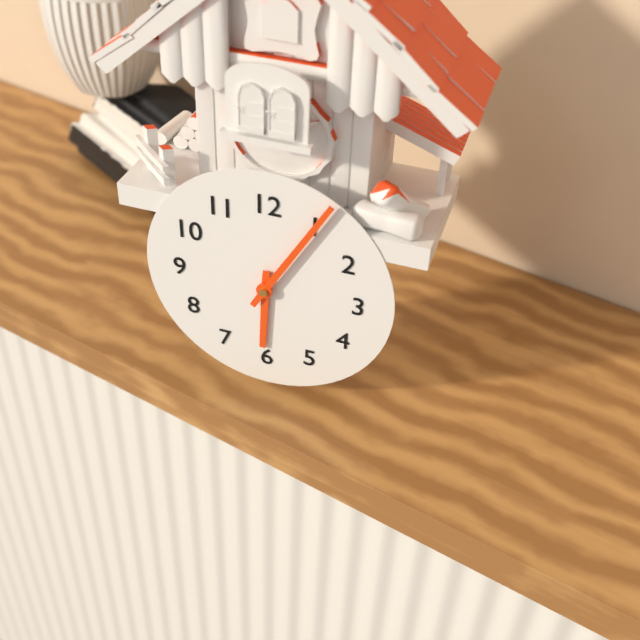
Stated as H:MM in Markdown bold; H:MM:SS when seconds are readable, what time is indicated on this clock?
**6:05**
